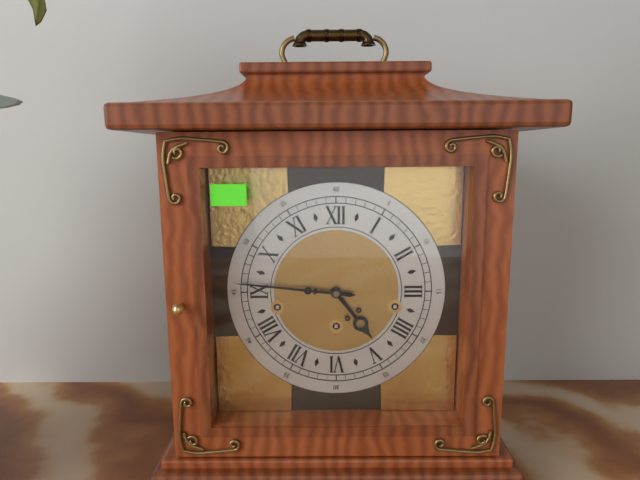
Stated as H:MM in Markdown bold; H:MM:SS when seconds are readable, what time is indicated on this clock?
**4:46**
